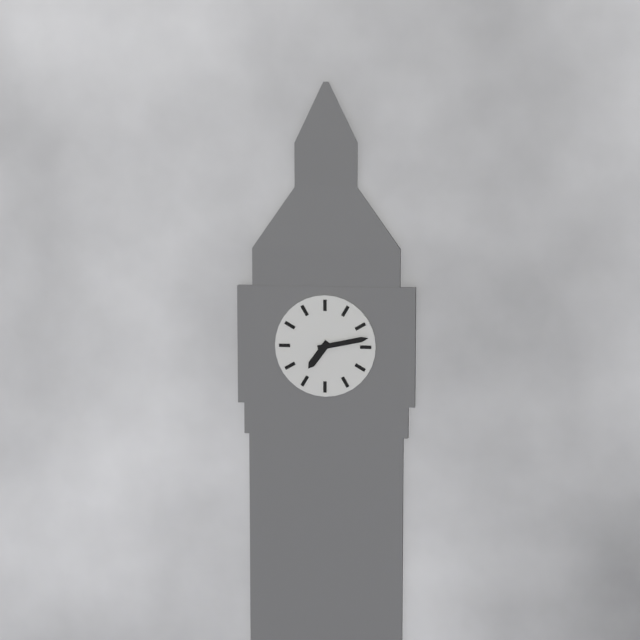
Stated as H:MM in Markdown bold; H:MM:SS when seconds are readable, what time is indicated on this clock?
**7:13**
